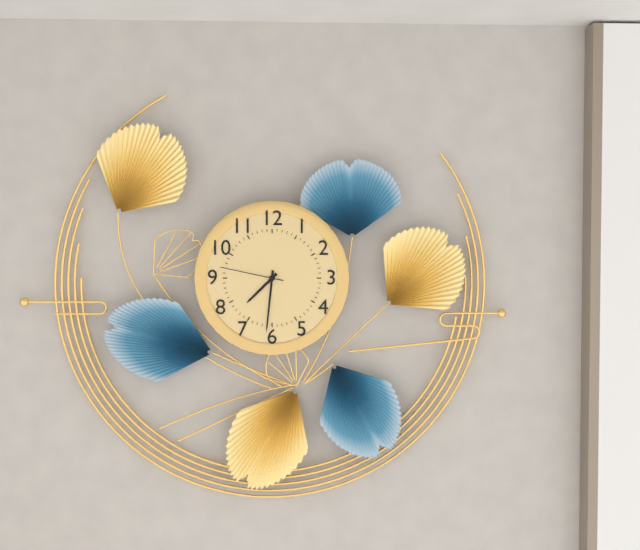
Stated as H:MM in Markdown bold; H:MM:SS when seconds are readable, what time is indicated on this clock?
**7:31:47**
